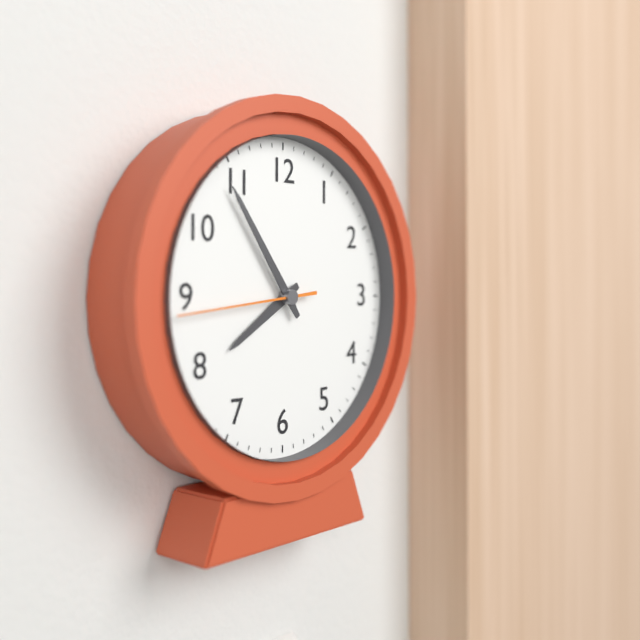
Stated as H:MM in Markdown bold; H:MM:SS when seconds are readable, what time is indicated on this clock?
**7:54:44**
